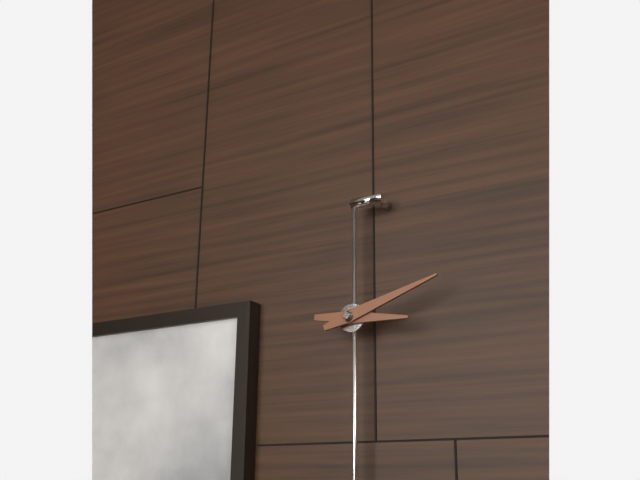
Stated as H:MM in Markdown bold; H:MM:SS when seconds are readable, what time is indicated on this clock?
**3:12**
